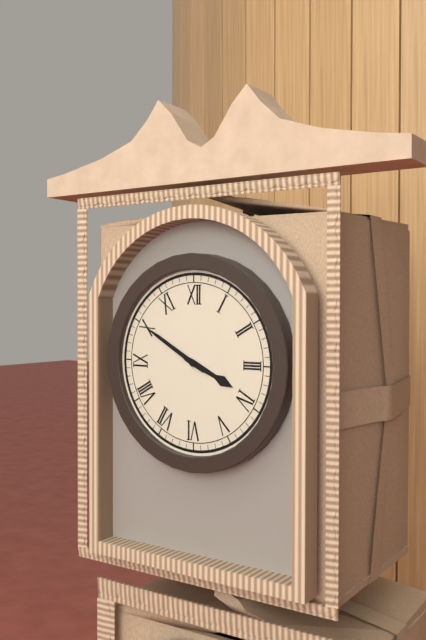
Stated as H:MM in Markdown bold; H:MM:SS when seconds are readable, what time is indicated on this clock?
**3:50**
